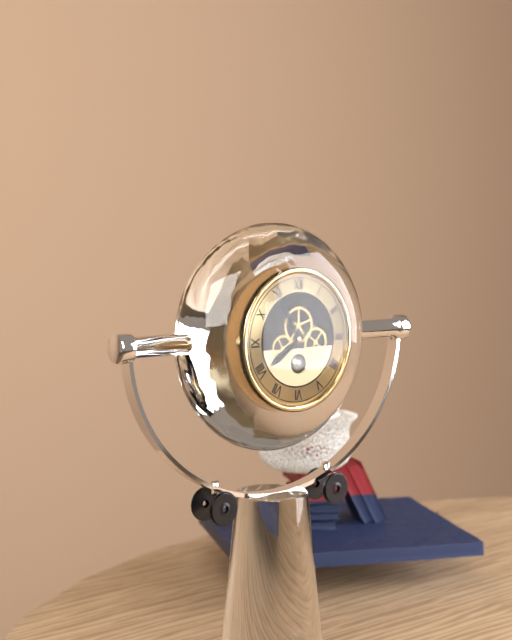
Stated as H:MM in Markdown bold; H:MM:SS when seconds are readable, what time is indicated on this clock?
**7:55**
